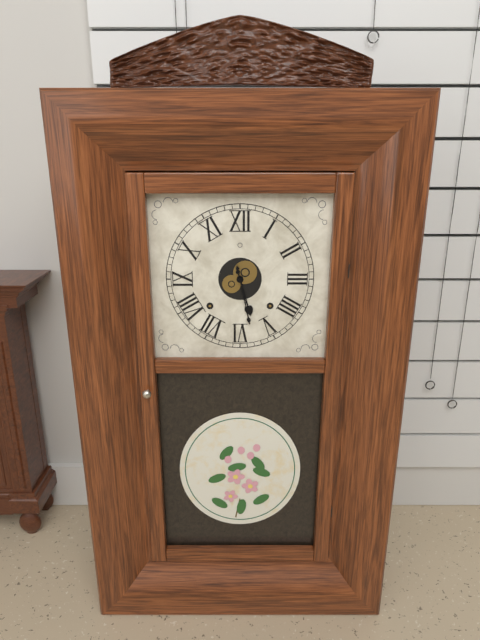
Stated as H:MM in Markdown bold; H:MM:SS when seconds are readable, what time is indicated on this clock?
**5:28**
